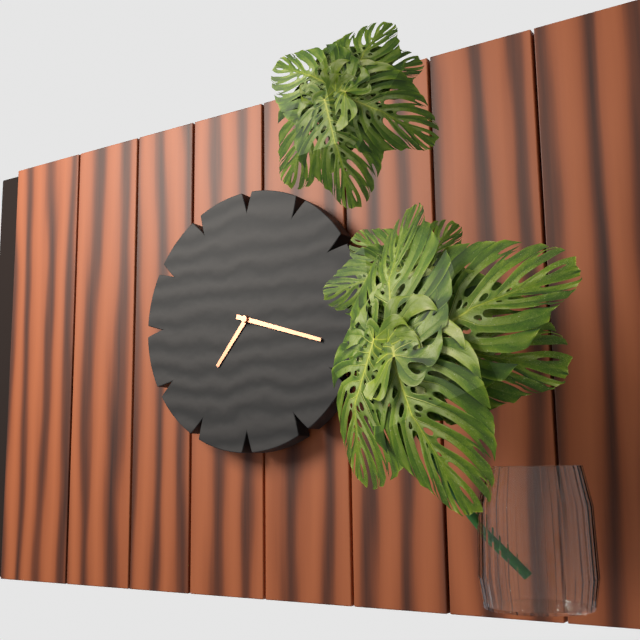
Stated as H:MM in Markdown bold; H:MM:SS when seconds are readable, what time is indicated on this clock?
**7:18**
